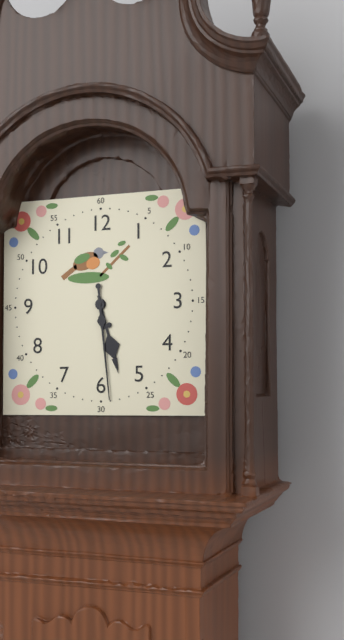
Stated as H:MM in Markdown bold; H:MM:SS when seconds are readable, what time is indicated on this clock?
**5:29**
